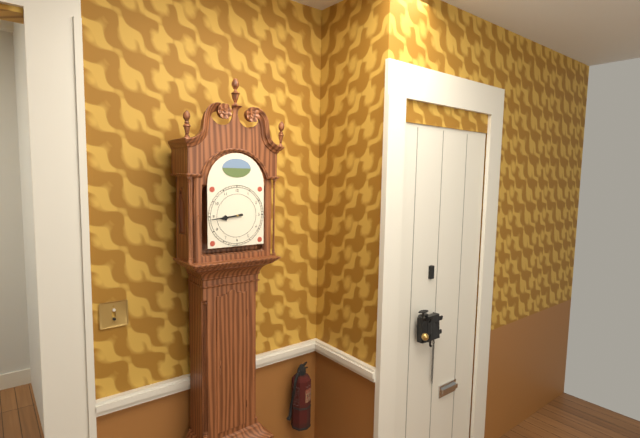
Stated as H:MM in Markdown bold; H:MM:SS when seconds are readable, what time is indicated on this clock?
**8:44**
